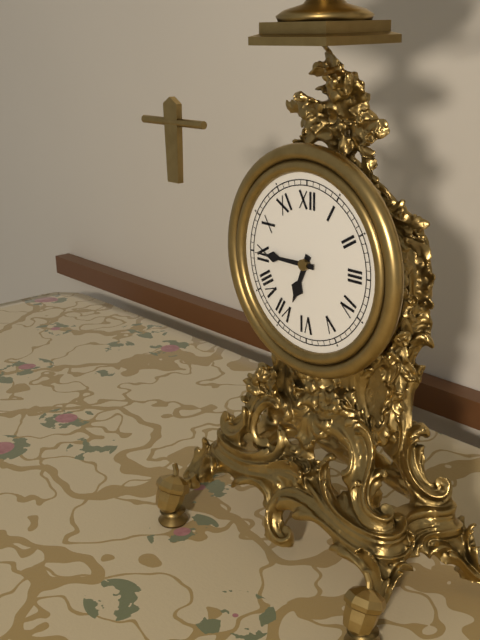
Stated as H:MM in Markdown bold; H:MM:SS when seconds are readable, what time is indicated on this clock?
**6:45**
